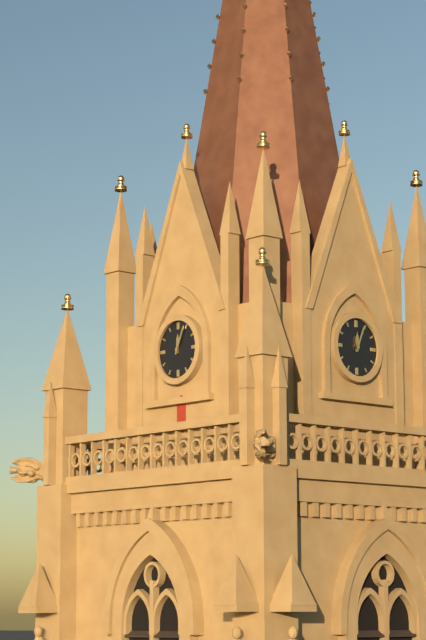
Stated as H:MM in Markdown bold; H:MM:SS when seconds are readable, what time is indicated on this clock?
**12:04**
